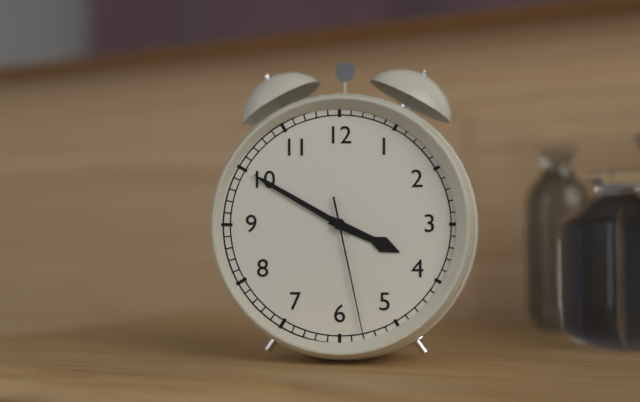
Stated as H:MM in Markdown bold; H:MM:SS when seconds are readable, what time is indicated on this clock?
**3:50:28**
